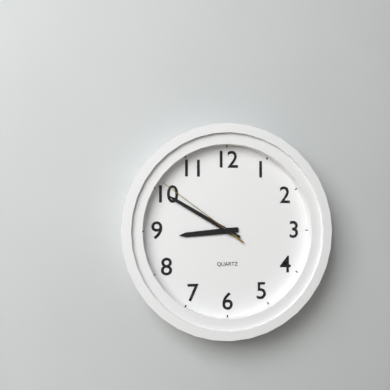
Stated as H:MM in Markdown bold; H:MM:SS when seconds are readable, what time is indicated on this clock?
**8:50:51**
